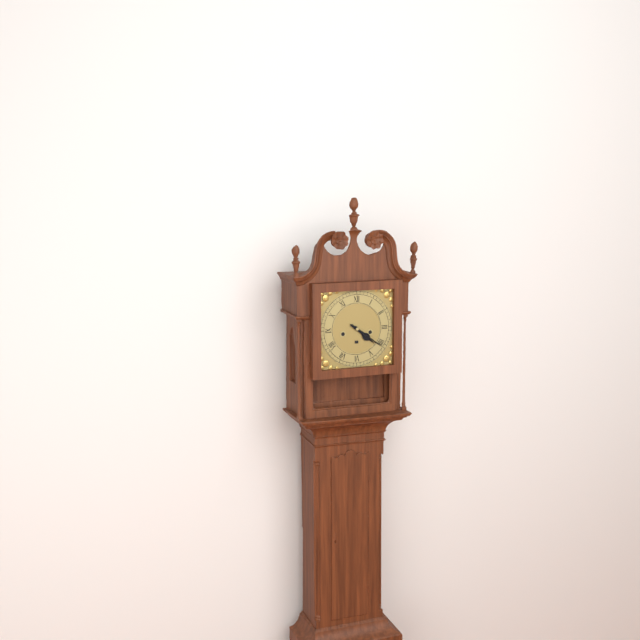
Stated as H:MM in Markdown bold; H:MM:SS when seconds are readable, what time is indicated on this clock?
**4:21**
